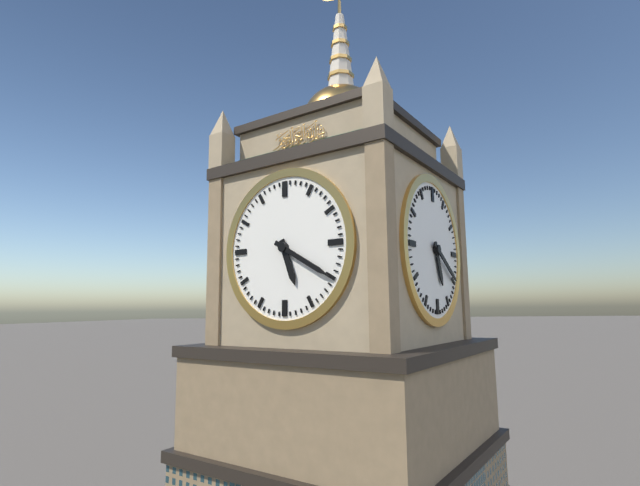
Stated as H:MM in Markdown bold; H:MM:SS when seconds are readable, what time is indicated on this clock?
**5:20**
